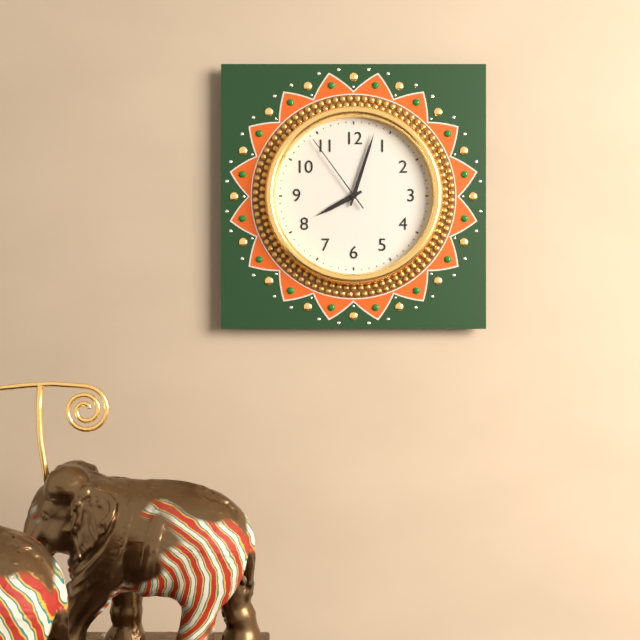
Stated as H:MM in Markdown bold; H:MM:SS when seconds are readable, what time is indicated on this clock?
**8:03:54**
